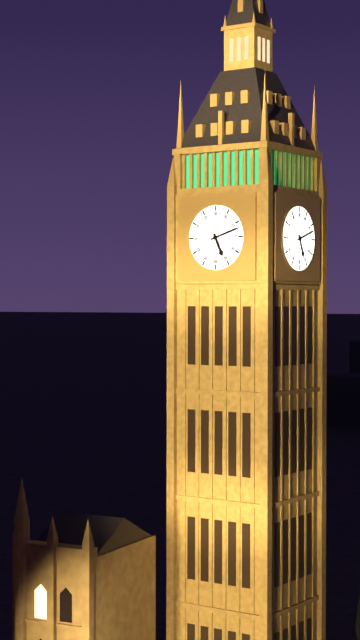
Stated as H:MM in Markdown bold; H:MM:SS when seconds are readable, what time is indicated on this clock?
**5:12**
